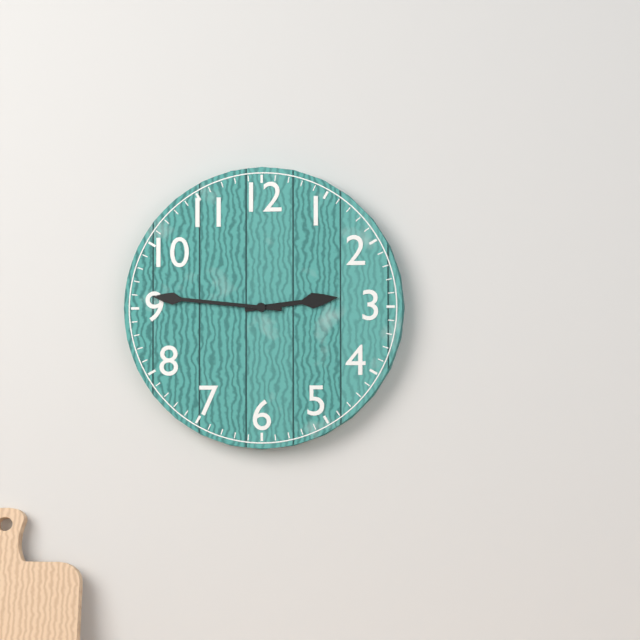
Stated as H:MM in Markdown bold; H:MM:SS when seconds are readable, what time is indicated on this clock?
**2:46**
